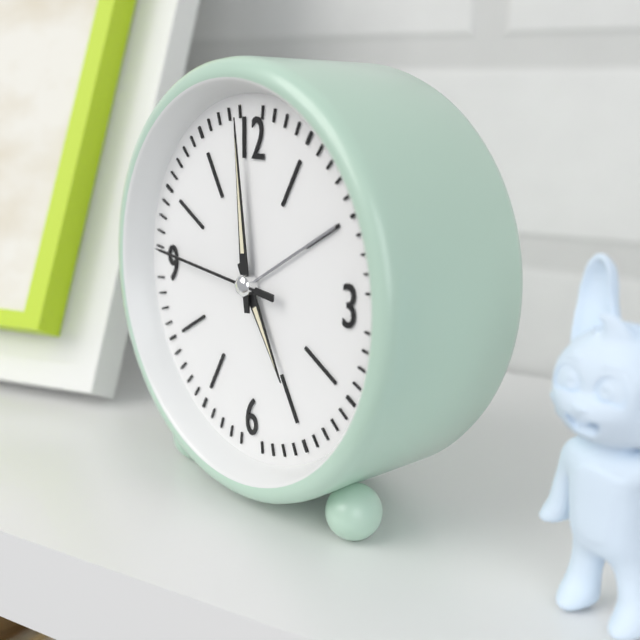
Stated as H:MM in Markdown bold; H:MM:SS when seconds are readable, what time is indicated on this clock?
**4:59:46**
